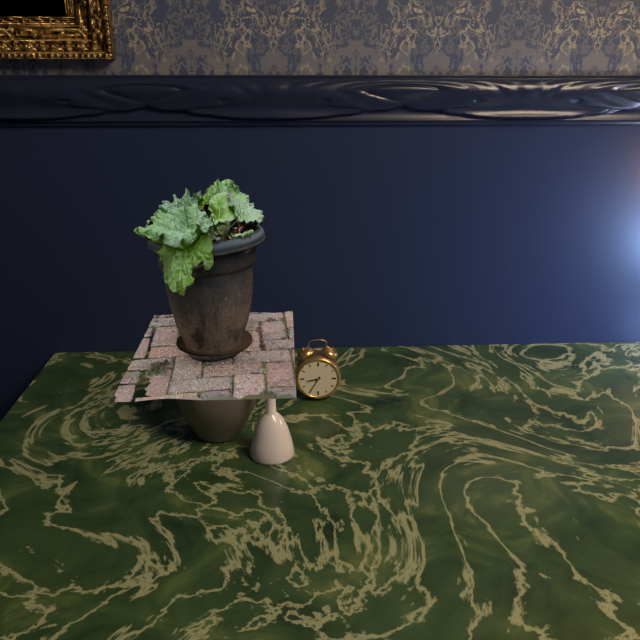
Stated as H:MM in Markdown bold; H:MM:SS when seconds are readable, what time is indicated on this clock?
**8:35**
